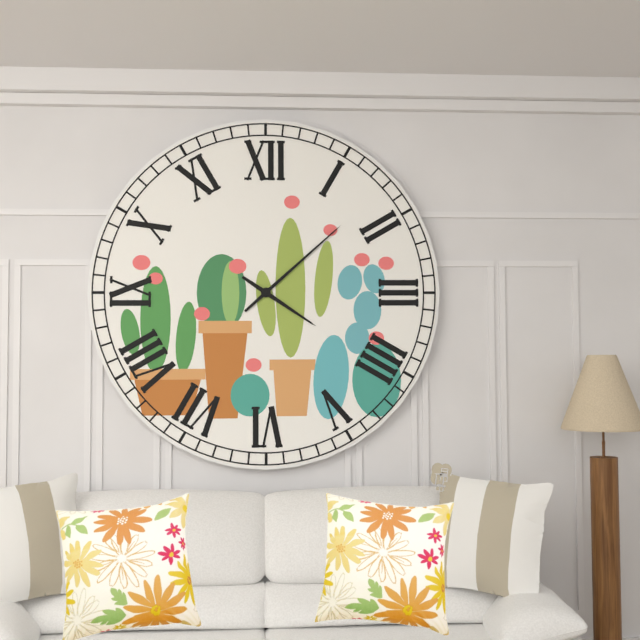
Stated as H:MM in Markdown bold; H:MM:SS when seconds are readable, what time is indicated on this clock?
**4:08**
